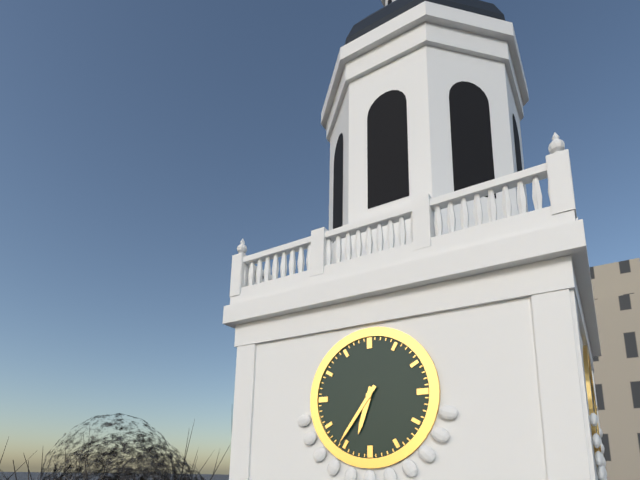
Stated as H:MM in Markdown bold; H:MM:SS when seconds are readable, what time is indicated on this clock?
**6:36**
